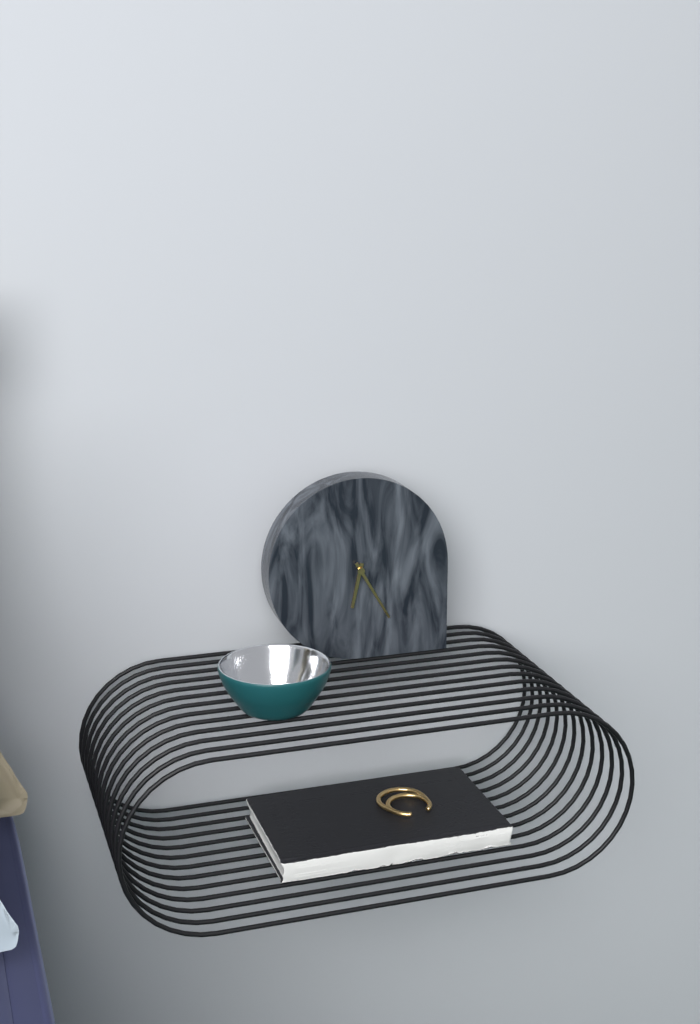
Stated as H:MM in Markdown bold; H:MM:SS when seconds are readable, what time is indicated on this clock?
**6:25**
